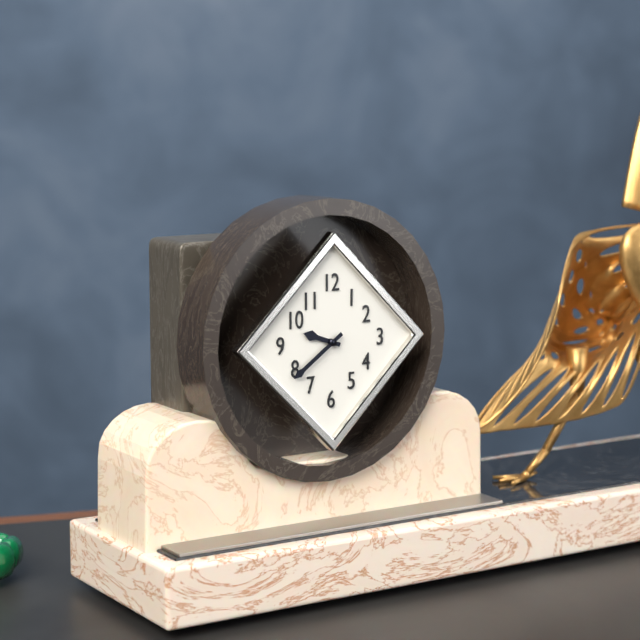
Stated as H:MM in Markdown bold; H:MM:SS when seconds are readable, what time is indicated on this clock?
**9:39**
